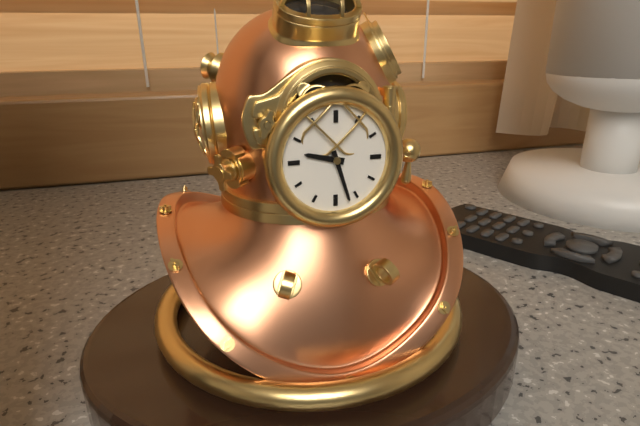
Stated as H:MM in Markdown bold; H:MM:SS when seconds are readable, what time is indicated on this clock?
**9:27**
